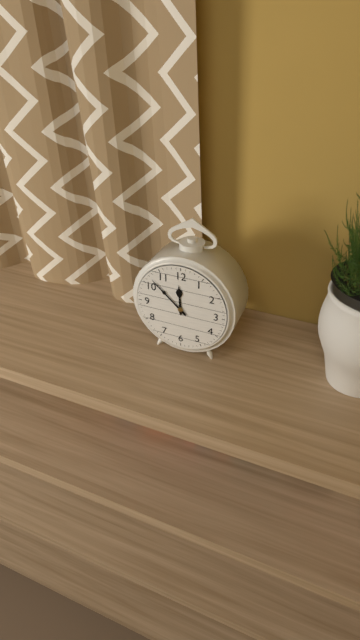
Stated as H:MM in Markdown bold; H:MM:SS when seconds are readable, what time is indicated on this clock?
**11:52**
